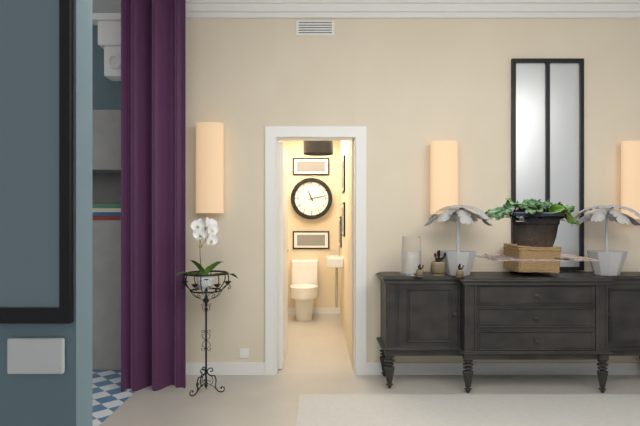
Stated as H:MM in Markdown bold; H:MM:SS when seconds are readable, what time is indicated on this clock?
**11:13**
